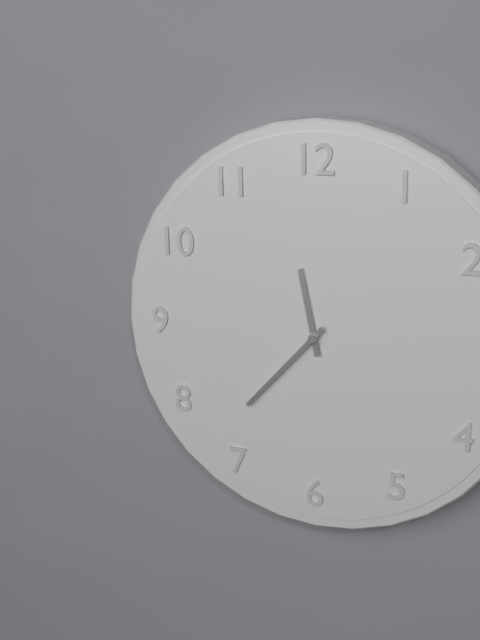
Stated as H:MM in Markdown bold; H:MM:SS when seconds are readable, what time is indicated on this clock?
**11:37**
